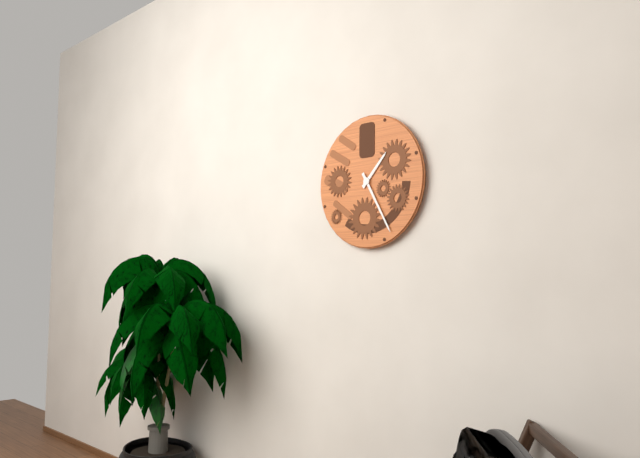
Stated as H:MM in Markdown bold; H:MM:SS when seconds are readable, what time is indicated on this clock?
**1:25**
